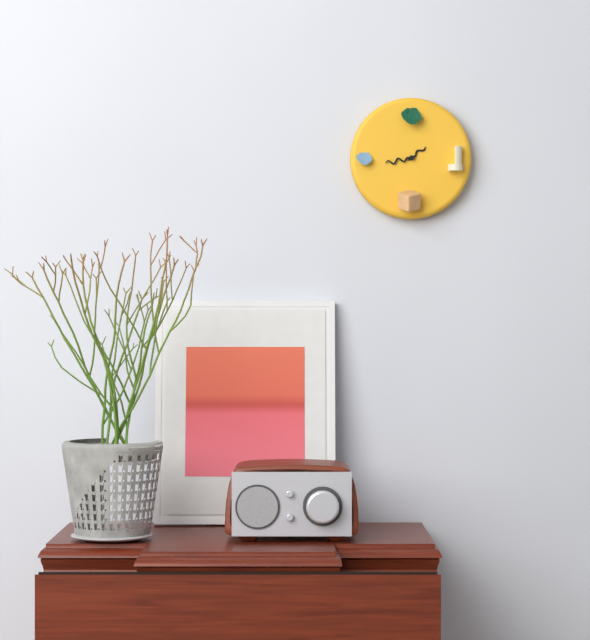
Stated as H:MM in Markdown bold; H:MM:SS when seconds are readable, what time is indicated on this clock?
**1:43**
